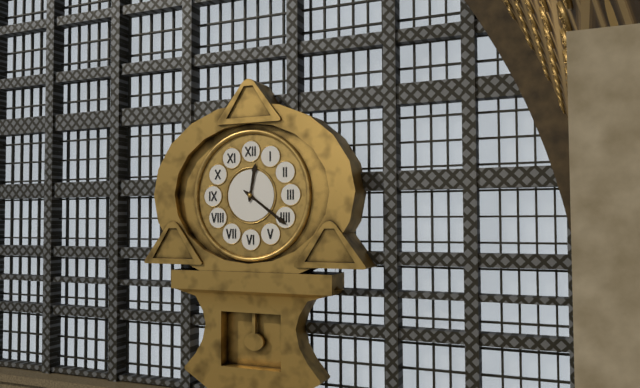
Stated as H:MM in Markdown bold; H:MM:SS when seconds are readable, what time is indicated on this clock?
**12:21**
